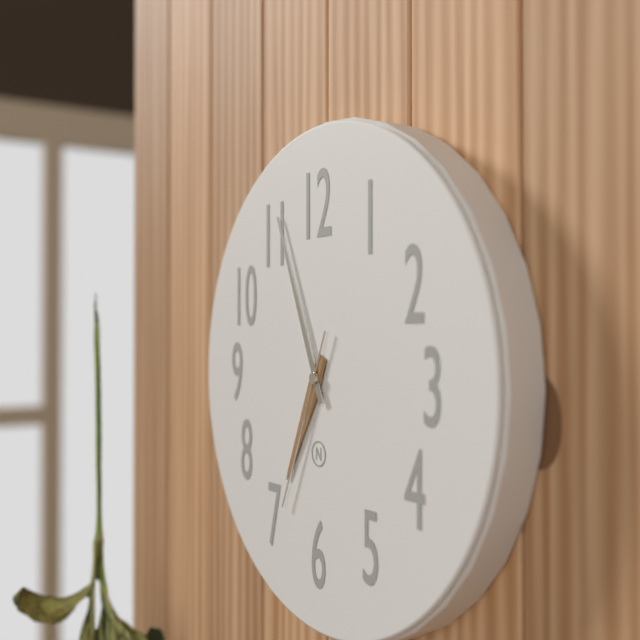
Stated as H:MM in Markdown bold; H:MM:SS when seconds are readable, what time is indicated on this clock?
**6:56:34**
